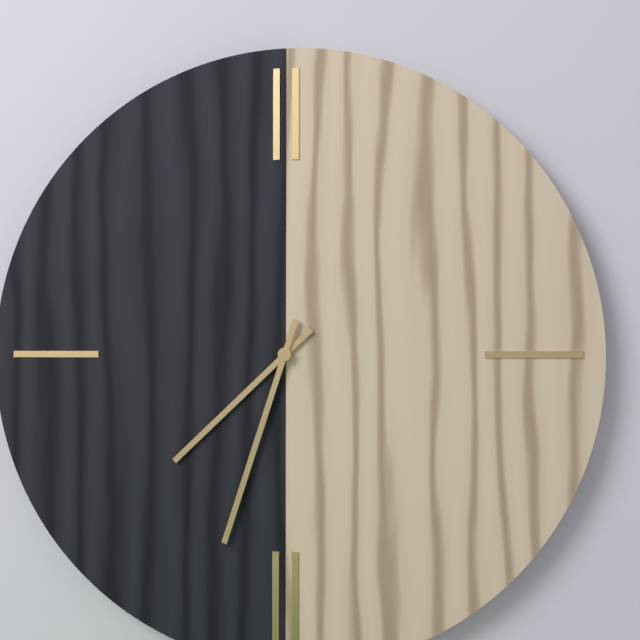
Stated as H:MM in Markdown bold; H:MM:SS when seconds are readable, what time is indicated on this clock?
**7:33**
